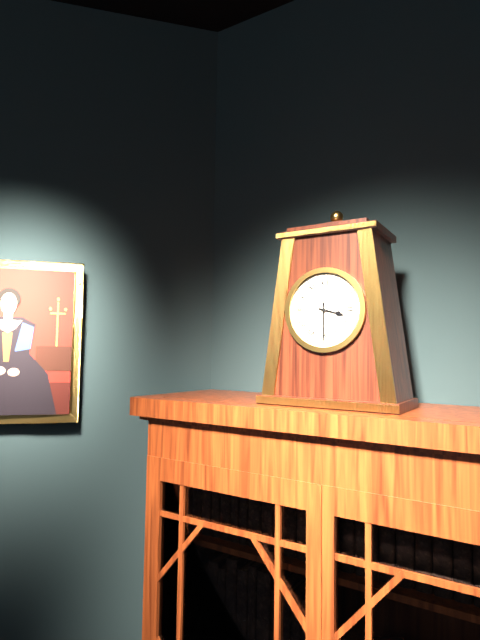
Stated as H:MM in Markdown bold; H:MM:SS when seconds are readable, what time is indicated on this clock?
**3:30**
